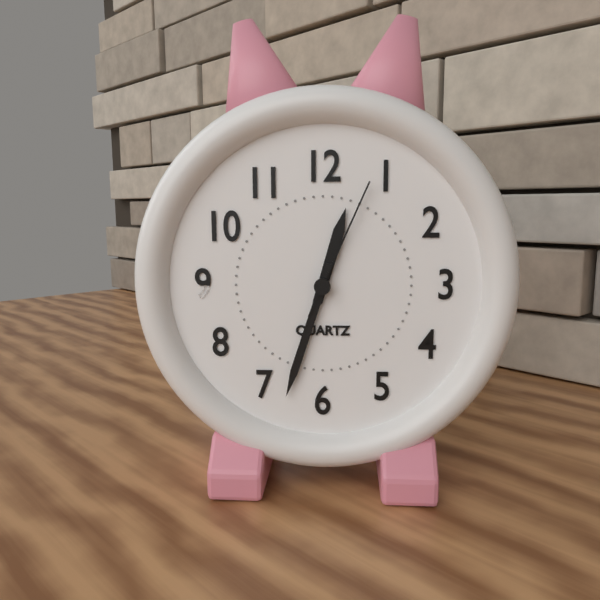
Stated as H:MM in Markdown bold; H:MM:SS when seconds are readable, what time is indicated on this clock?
**12:33:04**
